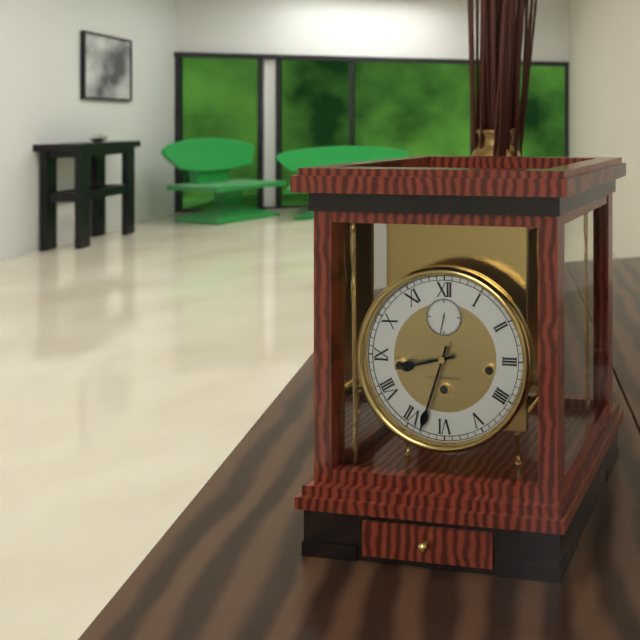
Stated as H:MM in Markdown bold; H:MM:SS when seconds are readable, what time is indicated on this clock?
**8:33**
